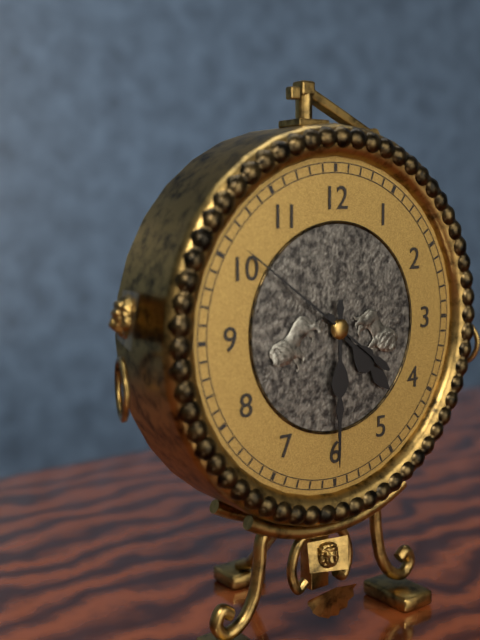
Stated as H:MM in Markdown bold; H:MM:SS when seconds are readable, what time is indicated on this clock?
**4:30:51**
